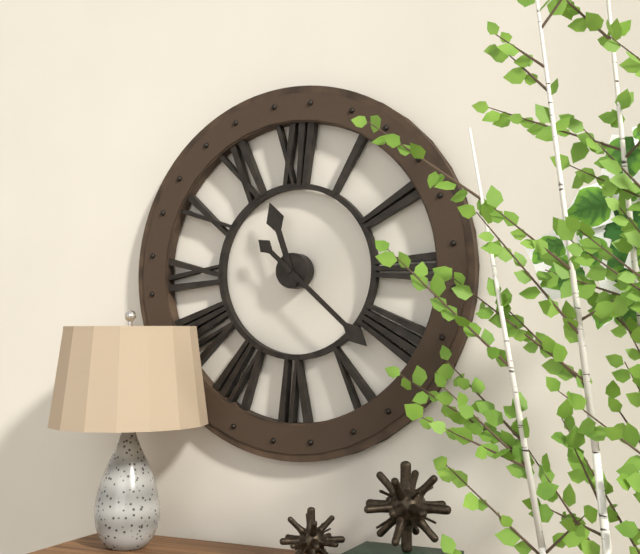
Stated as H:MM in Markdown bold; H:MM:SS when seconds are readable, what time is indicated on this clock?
**11:22**
